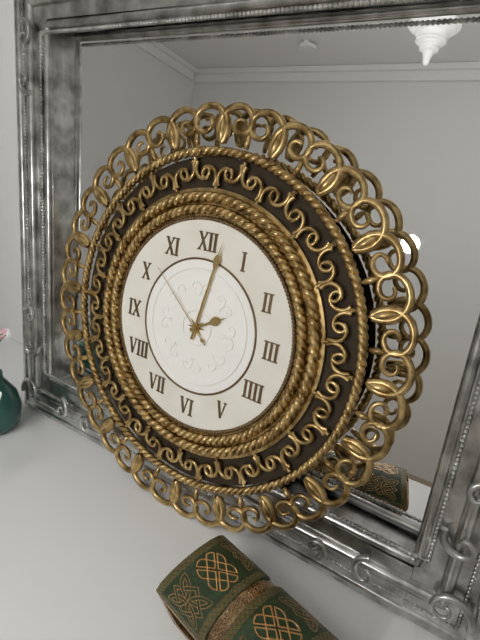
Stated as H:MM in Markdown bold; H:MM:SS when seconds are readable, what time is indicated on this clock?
**2:02:52**
